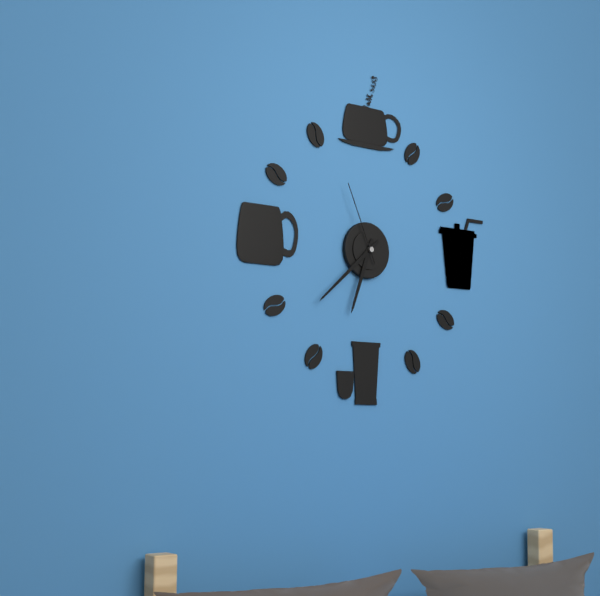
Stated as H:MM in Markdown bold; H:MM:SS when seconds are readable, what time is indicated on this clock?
**6:38:56**
